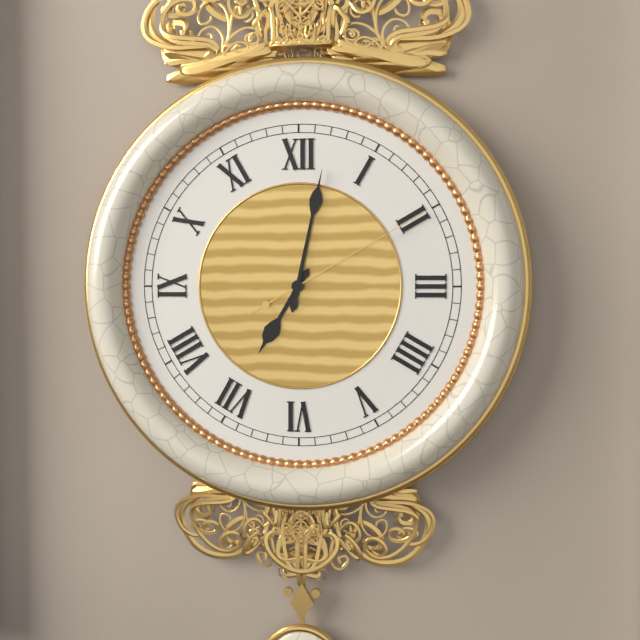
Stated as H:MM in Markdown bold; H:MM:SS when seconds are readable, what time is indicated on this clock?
**7:02:10**
